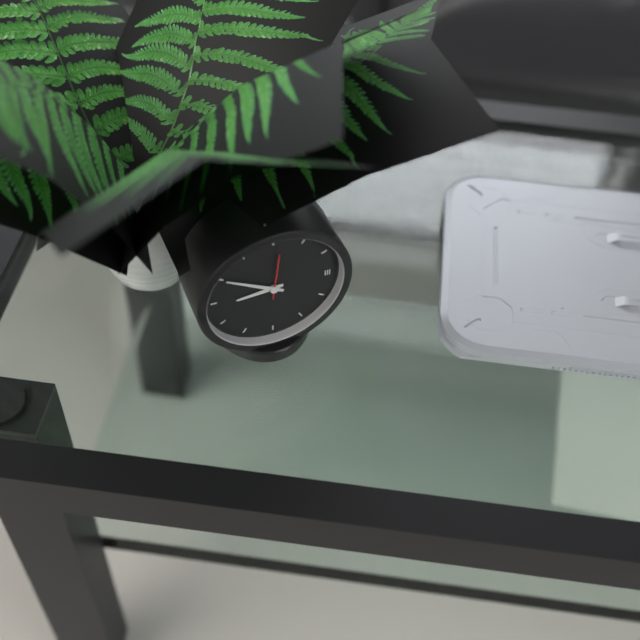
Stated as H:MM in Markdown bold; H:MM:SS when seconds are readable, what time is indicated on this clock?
**8:50**
